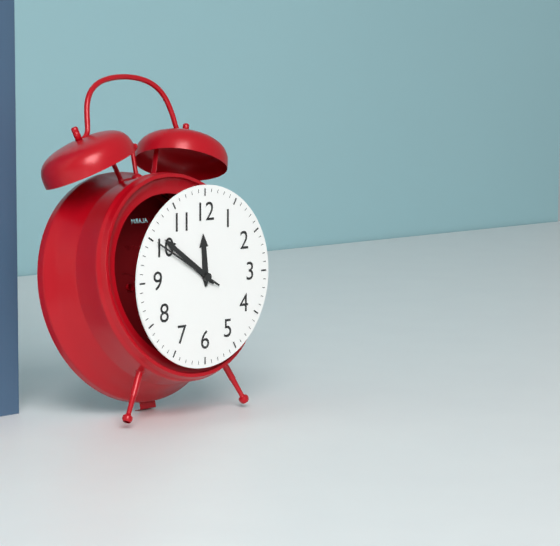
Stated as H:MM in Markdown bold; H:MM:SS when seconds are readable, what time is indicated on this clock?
**11:51:50**
